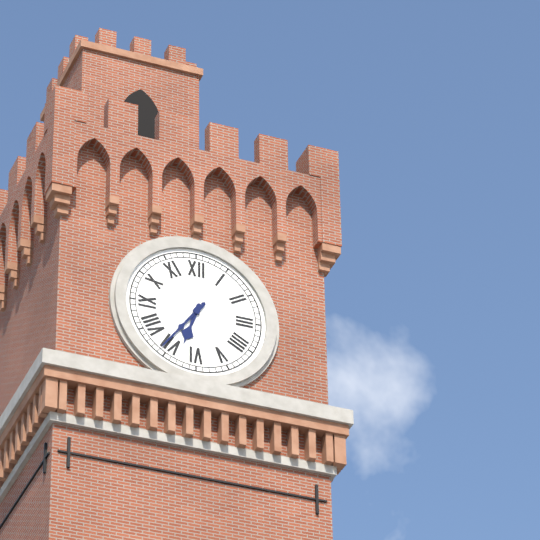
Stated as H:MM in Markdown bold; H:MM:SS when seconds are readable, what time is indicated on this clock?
**6:36**
